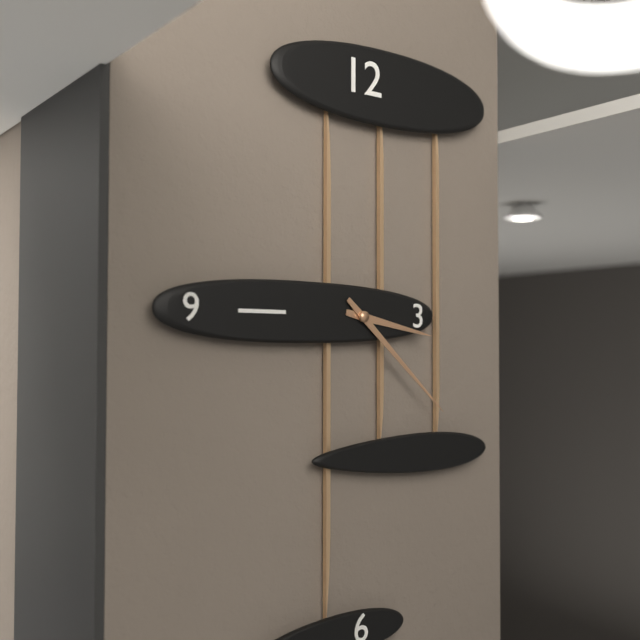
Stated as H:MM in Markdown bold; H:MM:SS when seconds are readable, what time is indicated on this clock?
**3:22**
